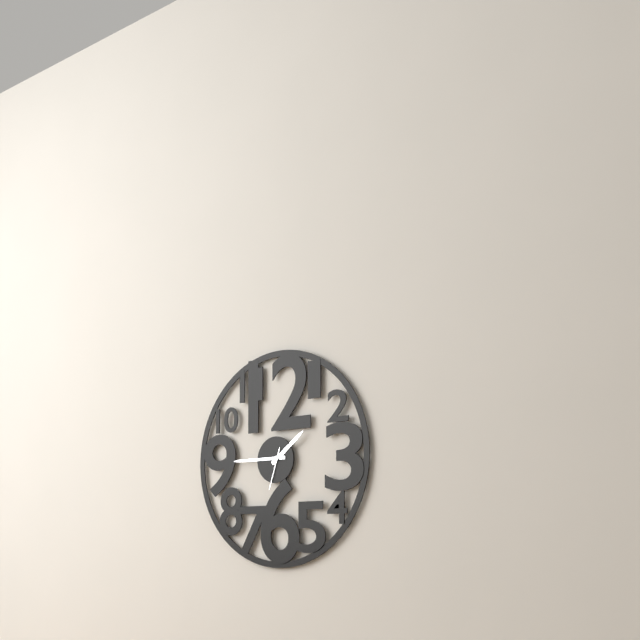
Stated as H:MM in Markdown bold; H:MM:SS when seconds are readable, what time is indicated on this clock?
**1:45**
